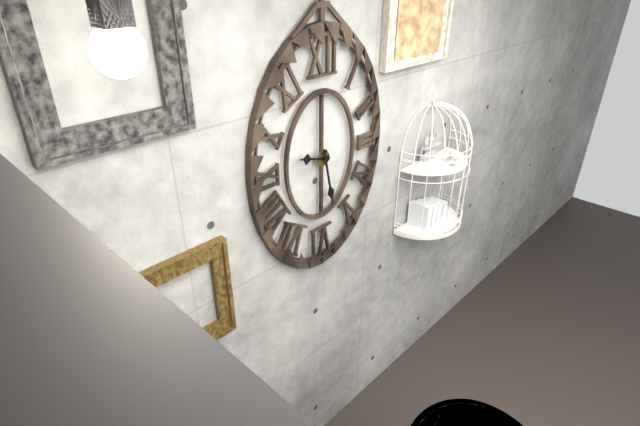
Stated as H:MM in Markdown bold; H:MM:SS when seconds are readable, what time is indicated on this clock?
**9:28**
